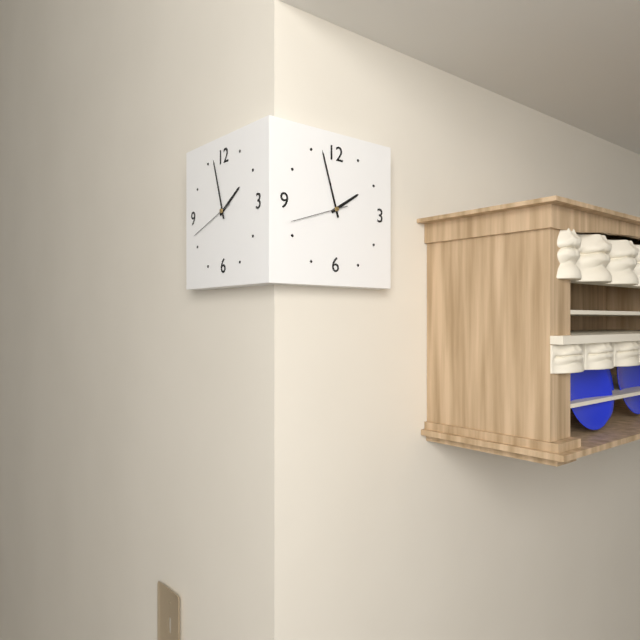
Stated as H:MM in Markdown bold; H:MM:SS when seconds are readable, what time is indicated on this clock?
**1:57:42**
